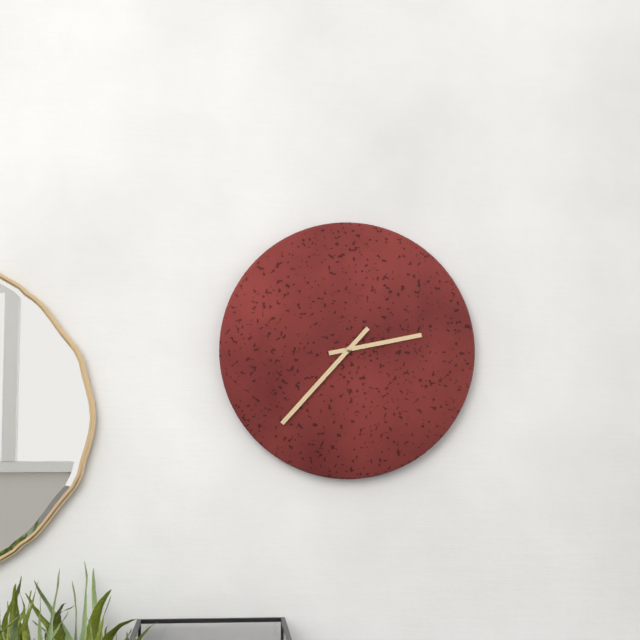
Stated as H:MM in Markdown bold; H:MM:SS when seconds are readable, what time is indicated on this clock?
**2:37**
